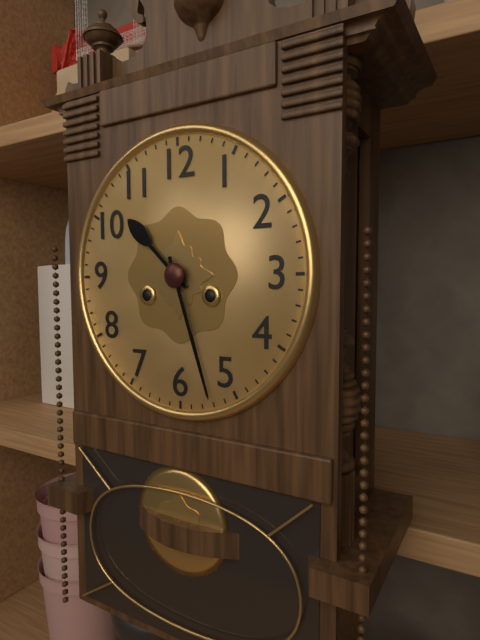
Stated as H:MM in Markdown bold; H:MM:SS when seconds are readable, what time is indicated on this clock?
**10:27**
